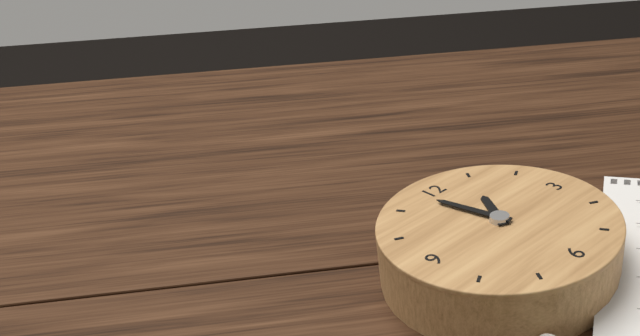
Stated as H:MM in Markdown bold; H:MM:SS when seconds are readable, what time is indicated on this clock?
**12:58**
